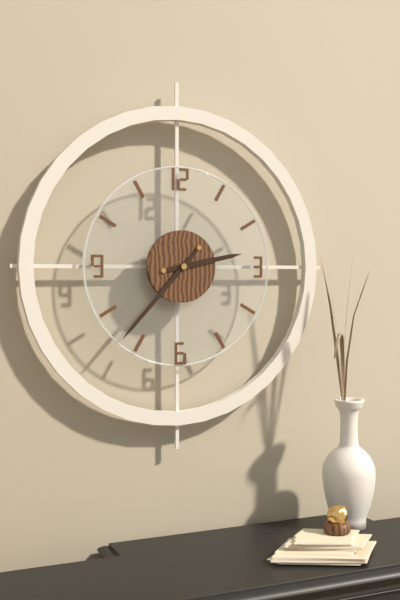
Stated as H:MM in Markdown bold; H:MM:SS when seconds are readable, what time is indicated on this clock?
**2:37**
